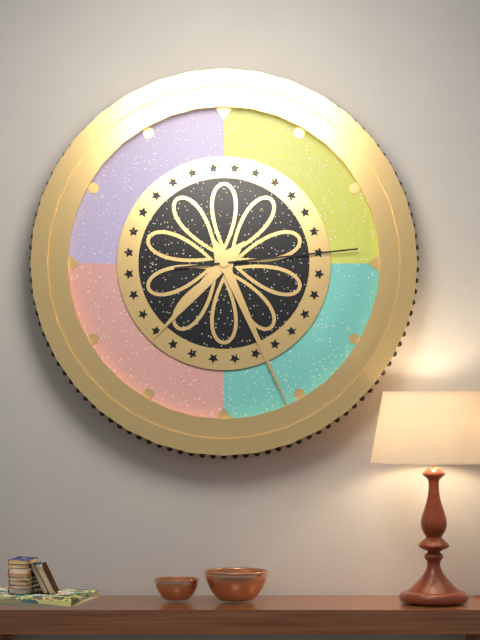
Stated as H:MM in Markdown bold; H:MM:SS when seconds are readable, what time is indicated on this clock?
**7:26:14**
